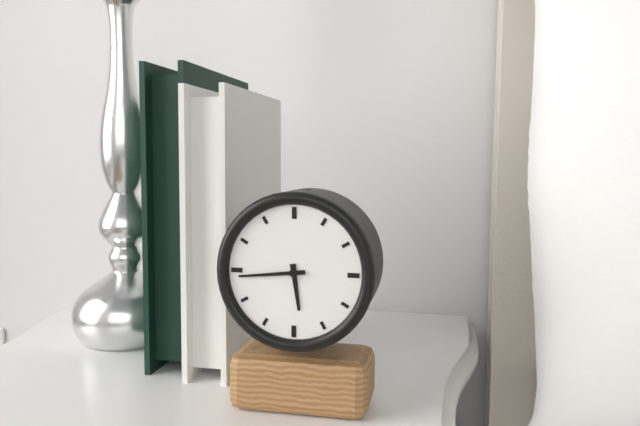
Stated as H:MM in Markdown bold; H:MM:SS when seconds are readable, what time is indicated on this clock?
**5:44**
